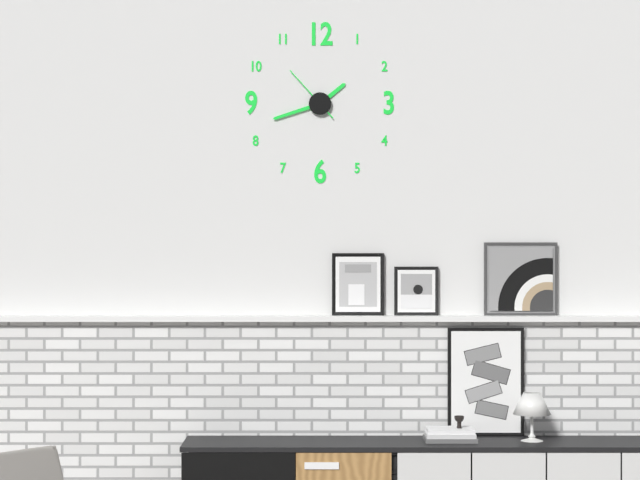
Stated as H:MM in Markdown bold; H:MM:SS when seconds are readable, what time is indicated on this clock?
**1:42:53**
